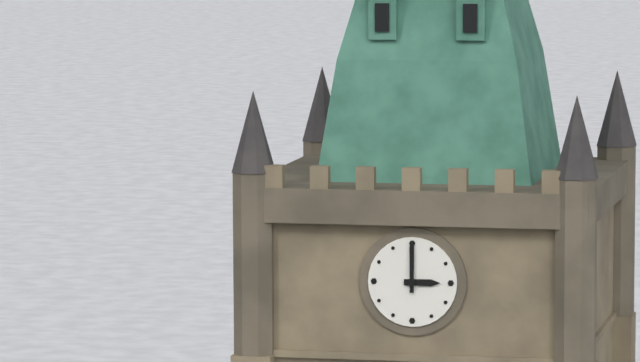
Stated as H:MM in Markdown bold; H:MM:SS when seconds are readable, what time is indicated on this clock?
**3:00**
